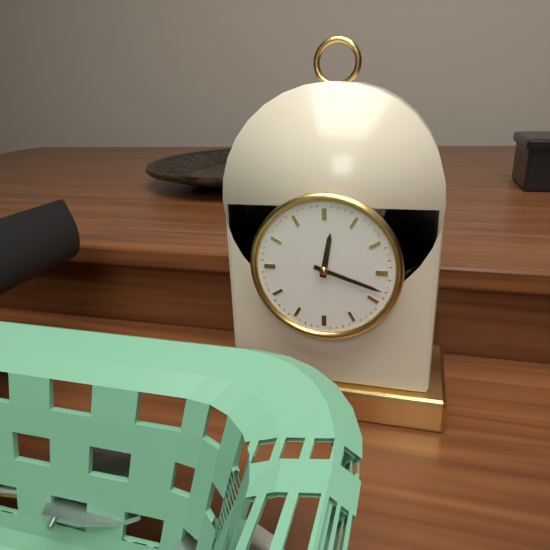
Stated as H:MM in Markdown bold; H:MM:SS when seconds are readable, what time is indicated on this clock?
**12:18**
